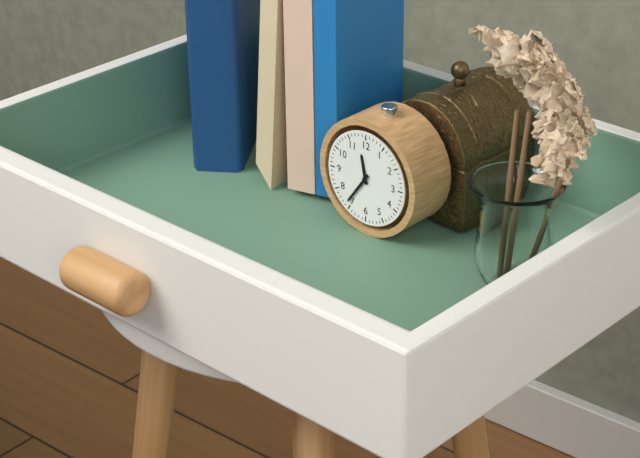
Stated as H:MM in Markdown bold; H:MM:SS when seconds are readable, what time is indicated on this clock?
**11:36**
